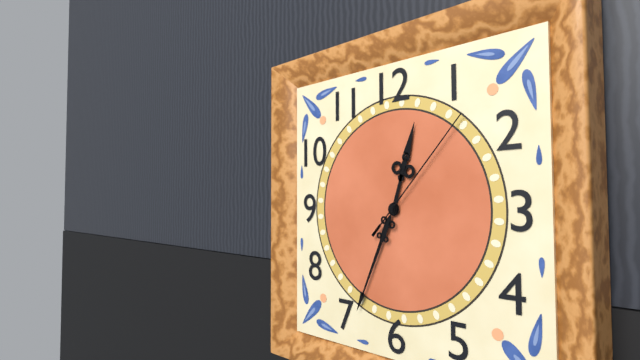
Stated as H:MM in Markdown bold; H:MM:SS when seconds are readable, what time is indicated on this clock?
**12:34:07**
